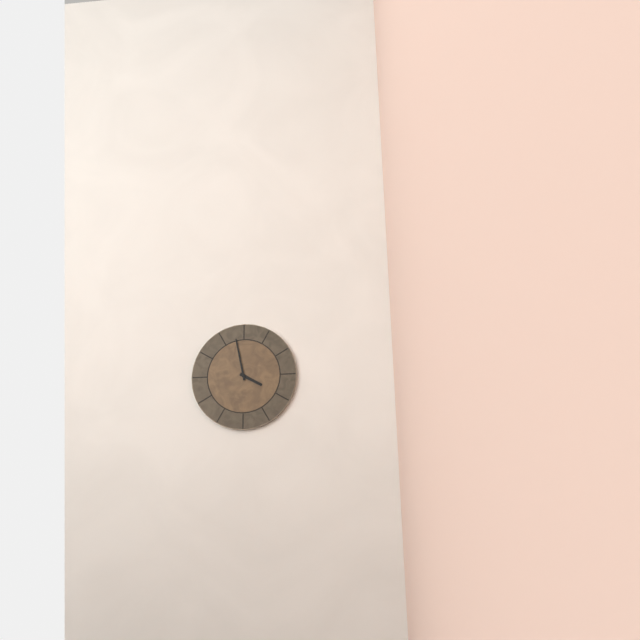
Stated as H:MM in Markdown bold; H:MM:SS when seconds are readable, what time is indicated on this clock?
**3:58**
